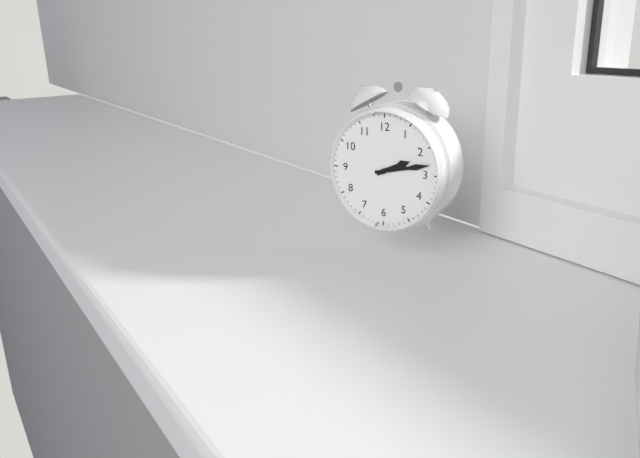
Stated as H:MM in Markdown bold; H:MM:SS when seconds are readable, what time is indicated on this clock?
**2:13**
